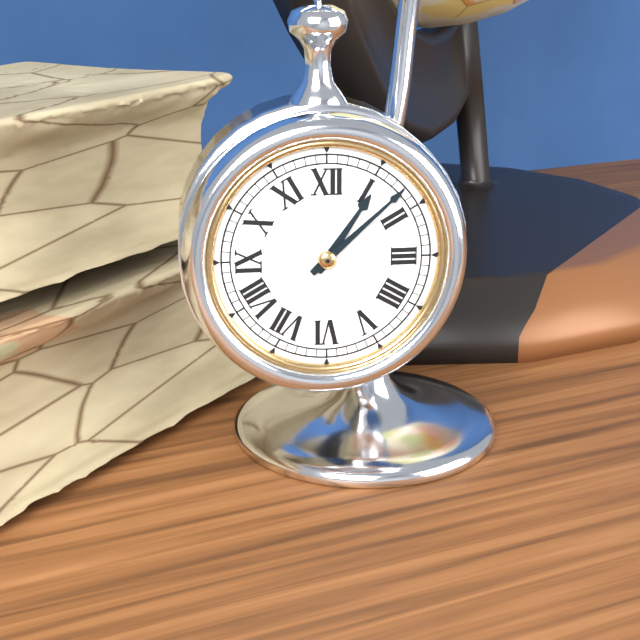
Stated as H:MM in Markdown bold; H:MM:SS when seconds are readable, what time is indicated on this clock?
**1:08**
